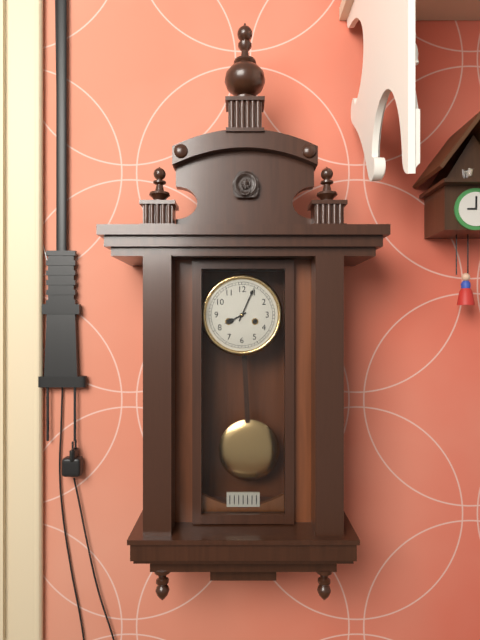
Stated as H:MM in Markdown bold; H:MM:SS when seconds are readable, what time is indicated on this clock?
**8:04**
